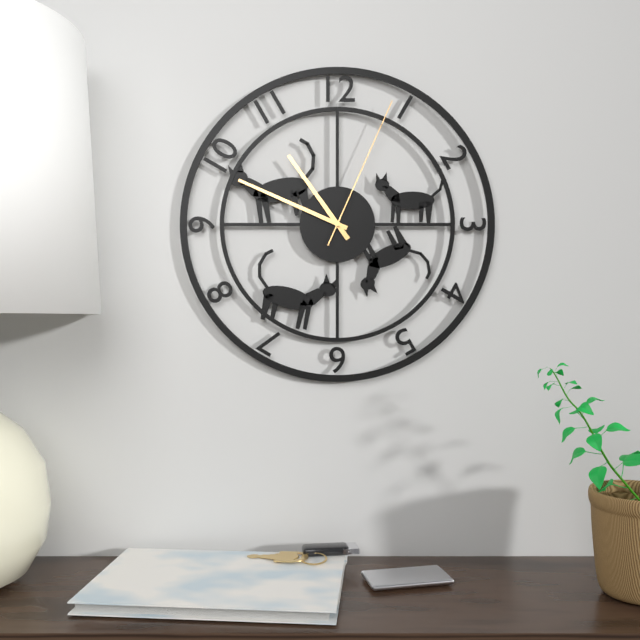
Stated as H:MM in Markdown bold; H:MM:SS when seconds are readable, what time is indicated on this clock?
**10:49:04**
